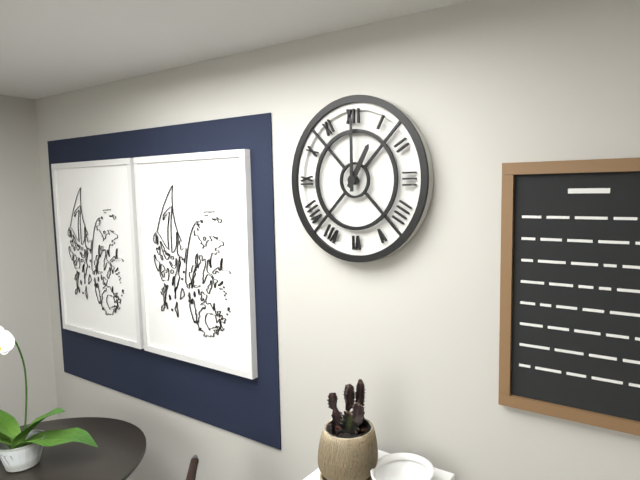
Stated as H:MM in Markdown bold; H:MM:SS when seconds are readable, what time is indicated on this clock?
**1:00**
